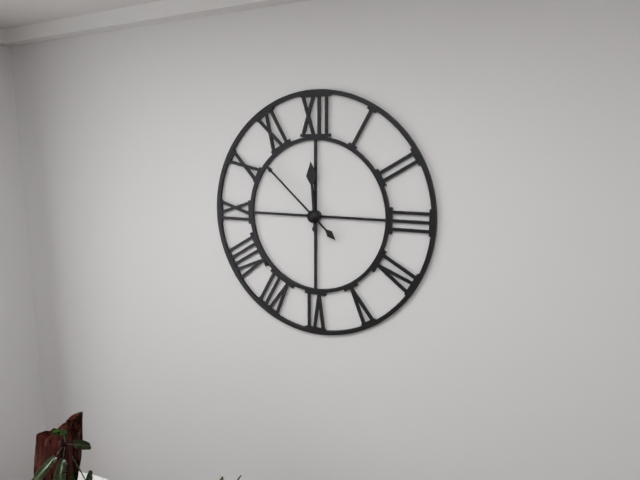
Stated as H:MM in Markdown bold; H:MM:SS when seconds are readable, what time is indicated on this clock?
**11:52**
